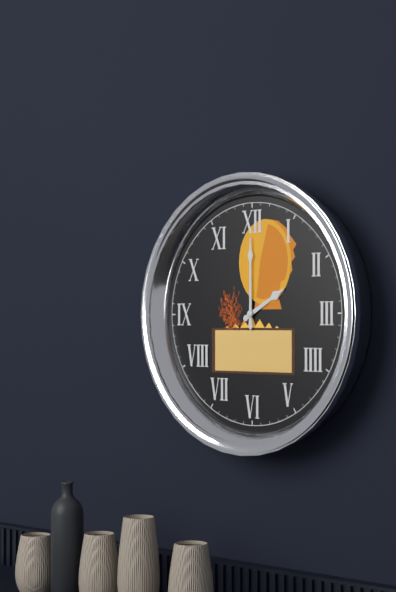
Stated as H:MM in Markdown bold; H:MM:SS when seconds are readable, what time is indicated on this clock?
**2:00**
